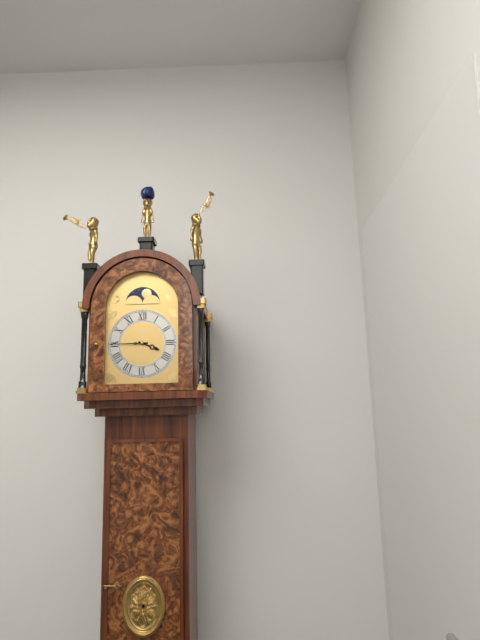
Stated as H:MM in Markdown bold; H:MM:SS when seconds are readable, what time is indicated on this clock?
**3:45**
